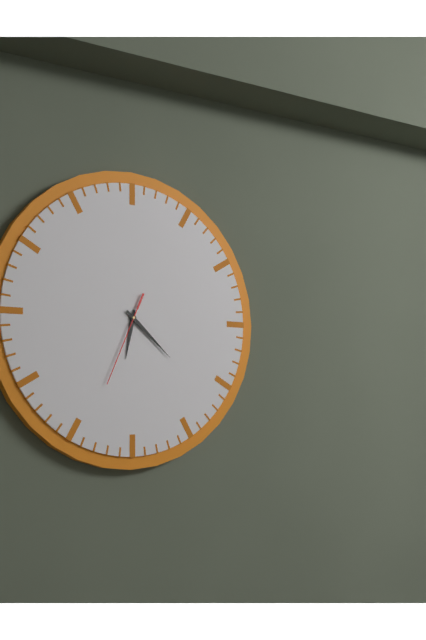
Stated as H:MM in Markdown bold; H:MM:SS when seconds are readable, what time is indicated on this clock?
**6:22:34**
